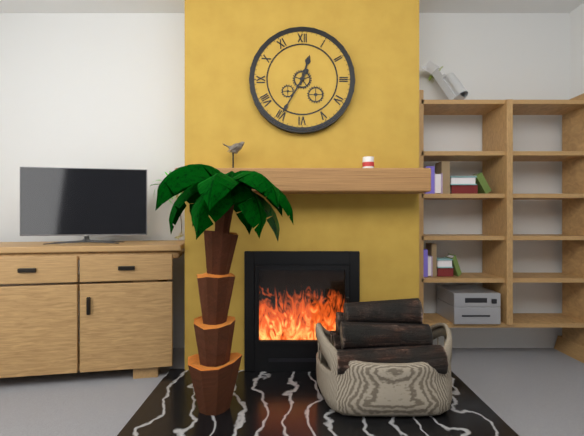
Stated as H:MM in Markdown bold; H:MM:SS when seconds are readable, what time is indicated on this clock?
**12:35**
